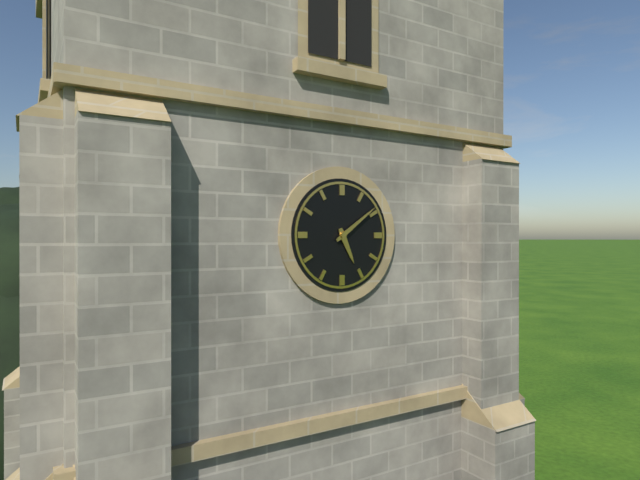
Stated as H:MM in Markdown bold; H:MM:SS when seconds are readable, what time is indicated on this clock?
**5:09**
